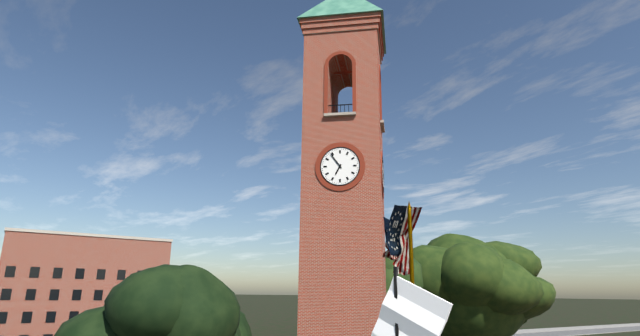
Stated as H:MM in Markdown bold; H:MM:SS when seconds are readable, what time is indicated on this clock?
**6:54**
